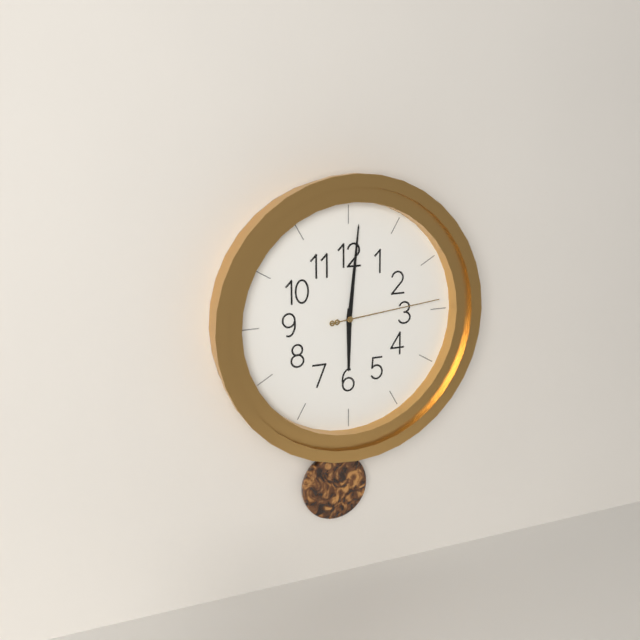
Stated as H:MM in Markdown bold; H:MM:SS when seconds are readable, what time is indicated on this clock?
**6:01:14**
